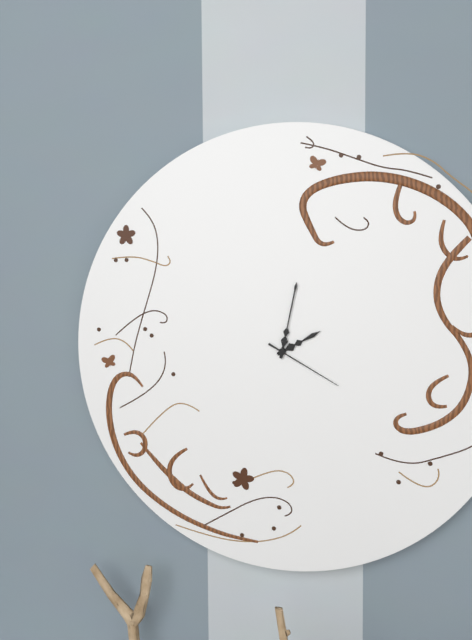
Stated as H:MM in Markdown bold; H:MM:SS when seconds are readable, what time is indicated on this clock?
**2:02:20**
